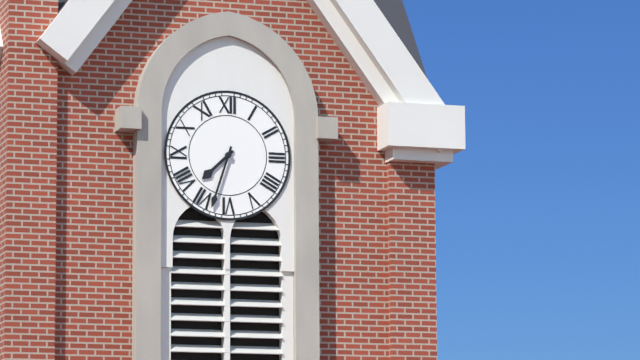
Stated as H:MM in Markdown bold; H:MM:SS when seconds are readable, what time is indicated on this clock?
**7:33**
